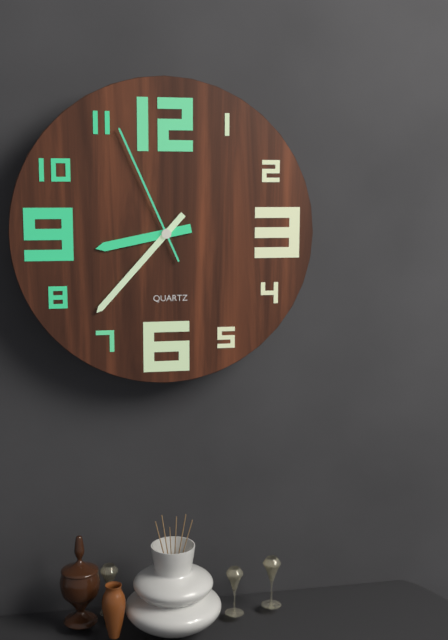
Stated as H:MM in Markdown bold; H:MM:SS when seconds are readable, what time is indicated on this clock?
**8:37:56**
